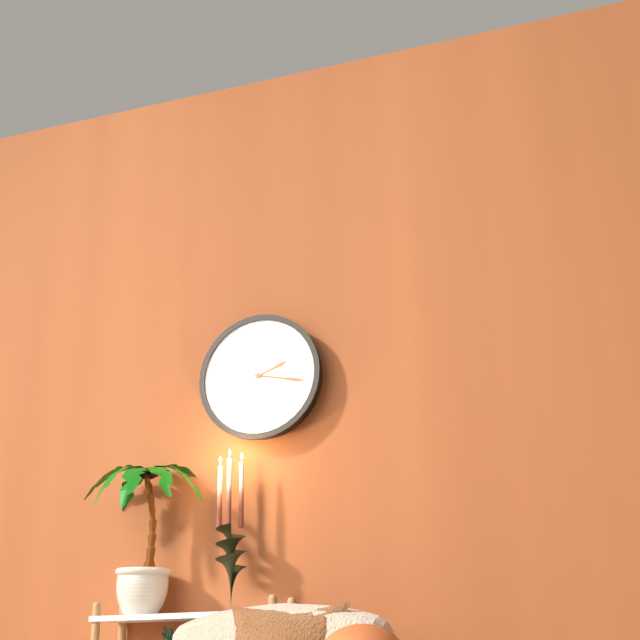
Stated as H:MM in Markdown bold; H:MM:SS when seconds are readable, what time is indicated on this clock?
**2:17**
